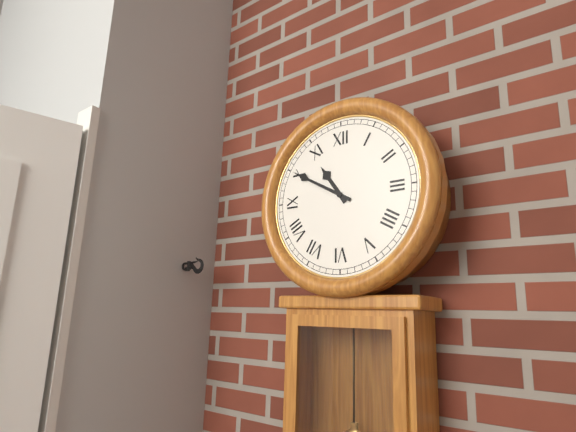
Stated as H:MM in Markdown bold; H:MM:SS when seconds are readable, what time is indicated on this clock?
**10:50**
